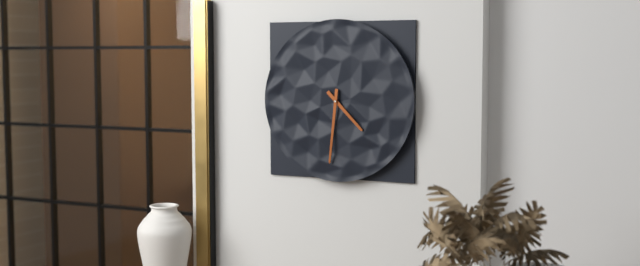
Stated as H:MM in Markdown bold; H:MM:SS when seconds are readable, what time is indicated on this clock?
**4:31**
